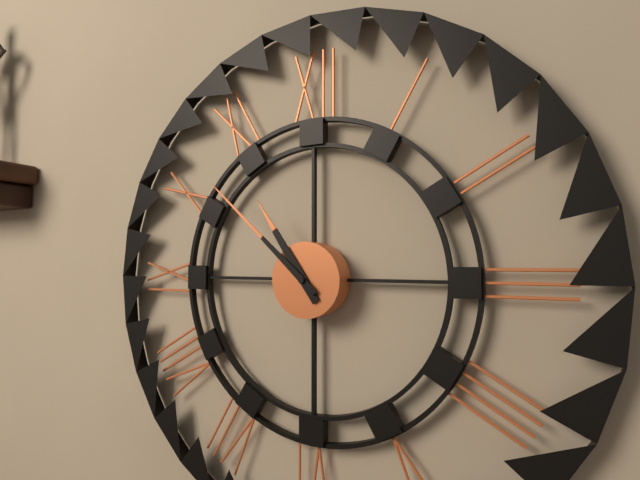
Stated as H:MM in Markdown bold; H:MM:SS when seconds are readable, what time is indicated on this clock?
**10:52**
